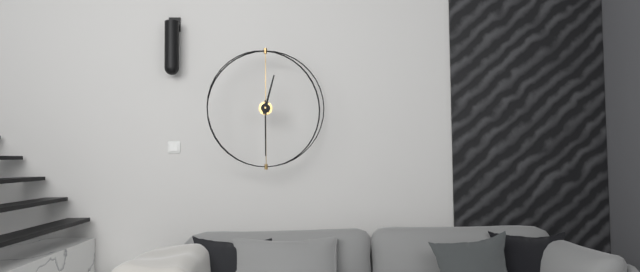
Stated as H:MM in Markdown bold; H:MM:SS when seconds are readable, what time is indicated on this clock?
**12:30**
